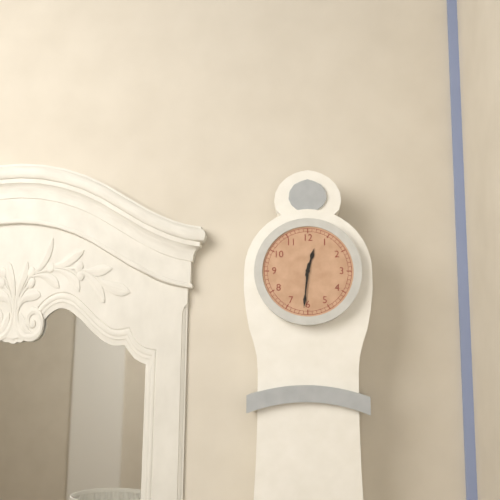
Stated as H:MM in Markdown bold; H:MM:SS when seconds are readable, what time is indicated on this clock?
**12:31**
